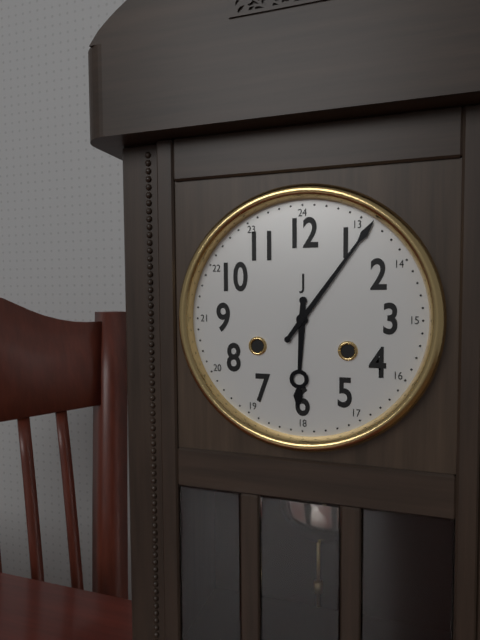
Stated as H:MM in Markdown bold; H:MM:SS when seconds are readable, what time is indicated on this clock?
**6:06**
